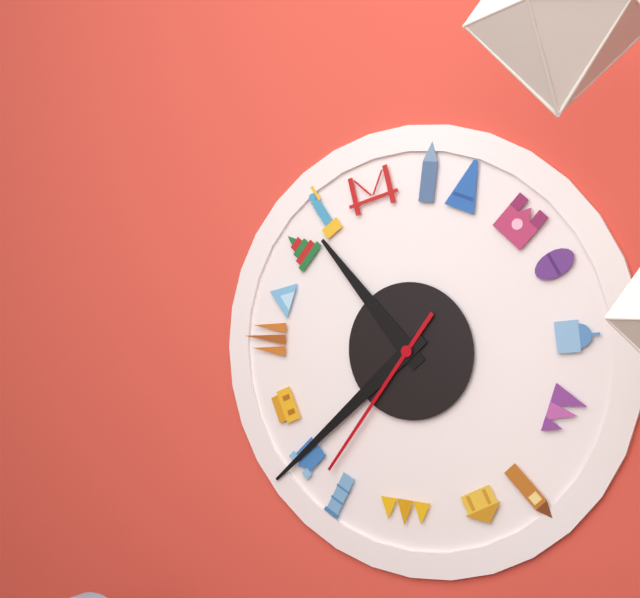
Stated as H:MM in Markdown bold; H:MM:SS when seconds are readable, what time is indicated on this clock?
**10:38:36**
